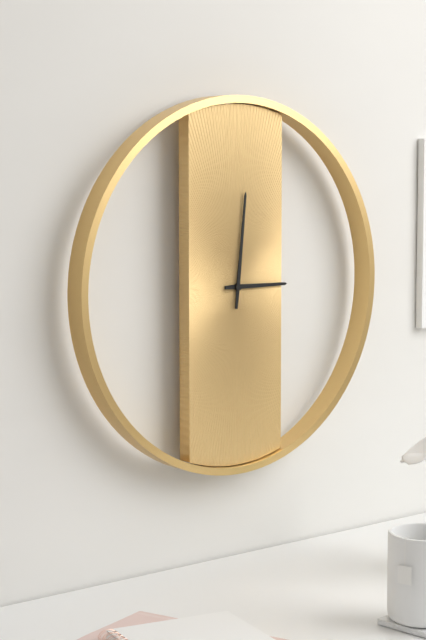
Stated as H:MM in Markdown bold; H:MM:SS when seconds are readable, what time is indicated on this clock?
**3:01**
